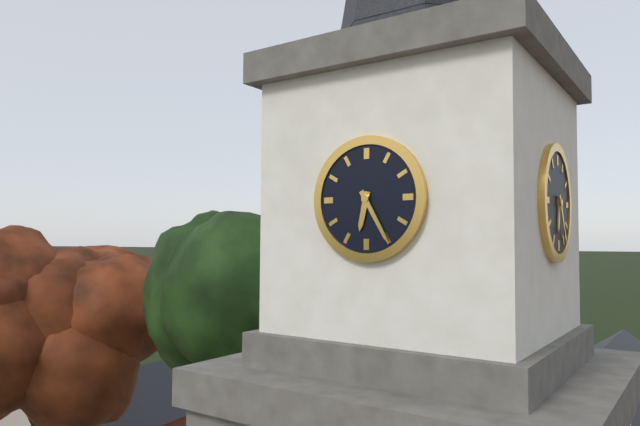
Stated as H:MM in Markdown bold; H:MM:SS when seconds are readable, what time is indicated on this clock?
**6:25**
